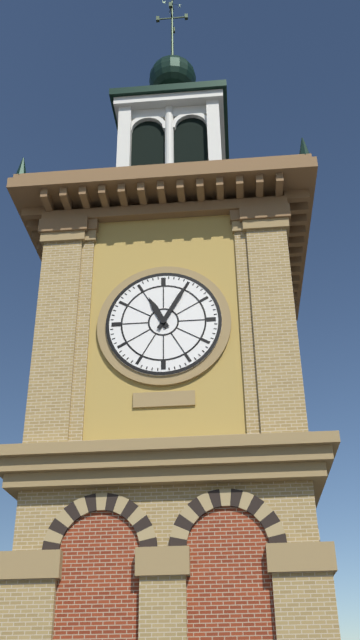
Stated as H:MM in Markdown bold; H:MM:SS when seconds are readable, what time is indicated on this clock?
**11:05**
